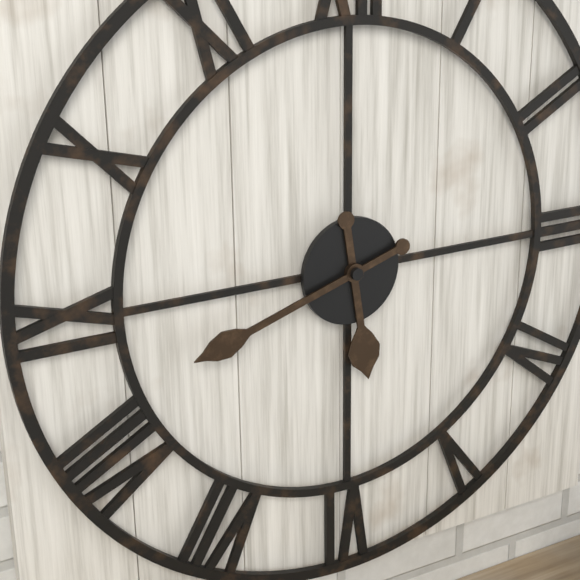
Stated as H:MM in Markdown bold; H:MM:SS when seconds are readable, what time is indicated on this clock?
**5:42**
